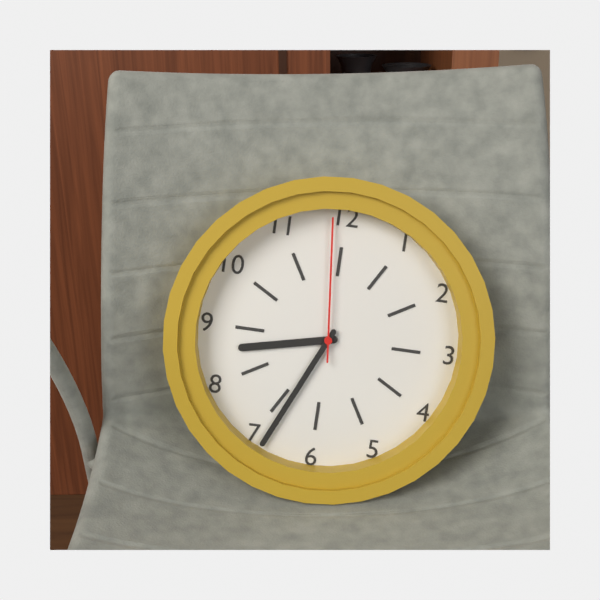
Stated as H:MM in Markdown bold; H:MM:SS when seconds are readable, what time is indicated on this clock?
**8:34:59**
